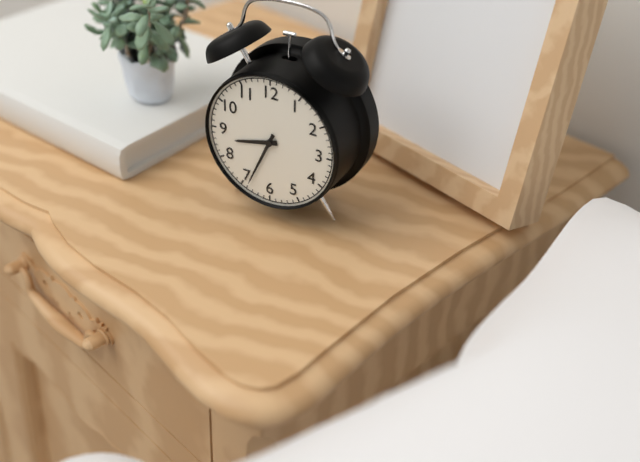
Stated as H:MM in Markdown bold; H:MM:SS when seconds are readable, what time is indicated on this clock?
**8:34**
